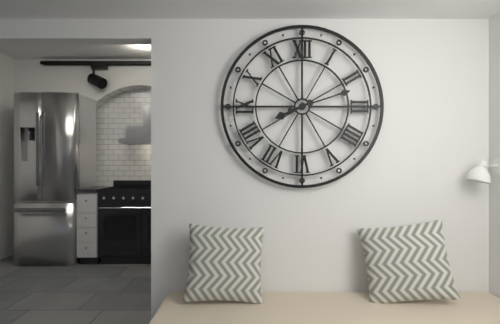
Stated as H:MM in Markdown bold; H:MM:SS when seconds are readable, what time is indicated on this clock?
**8:12**
